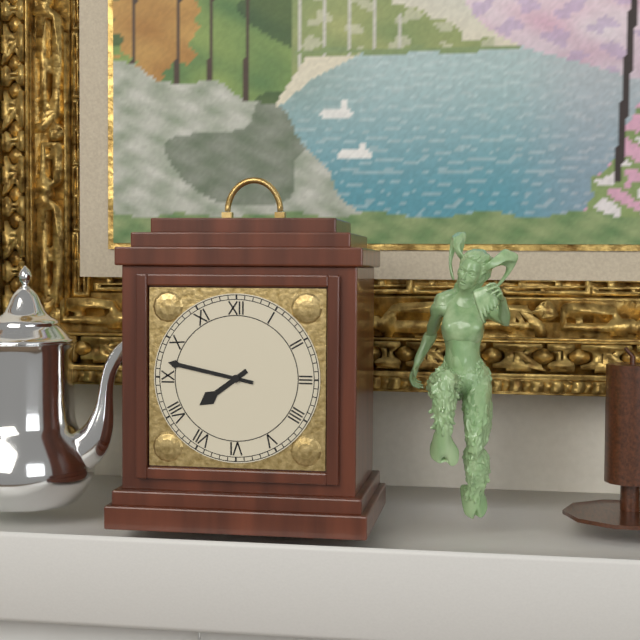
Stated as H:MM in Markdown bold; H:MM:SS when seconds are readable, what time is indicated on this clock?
**7:47**
